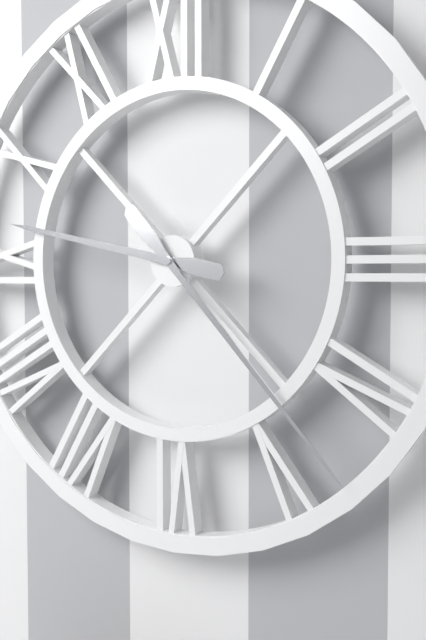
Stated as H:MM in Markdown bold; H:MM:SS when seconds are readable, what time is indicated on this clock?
**9:23**
